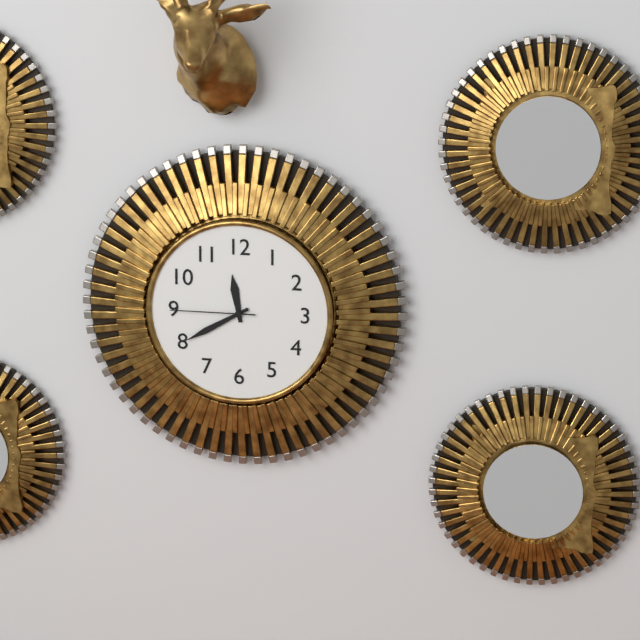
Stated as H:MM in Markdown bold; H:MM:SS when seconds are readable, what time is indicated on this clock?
**11:40:45**
